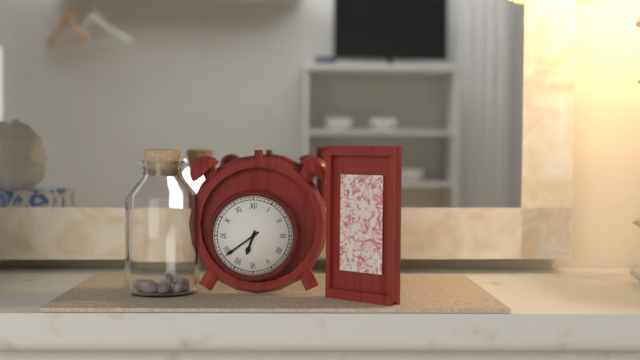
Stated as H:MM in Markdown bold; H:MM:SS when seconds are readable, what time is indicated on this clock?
**6:39**
